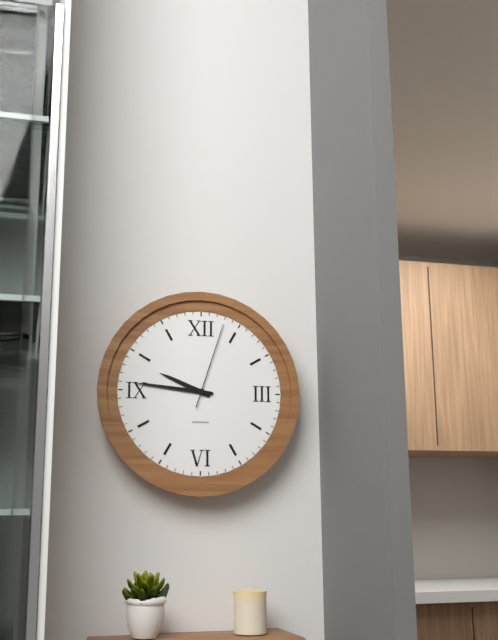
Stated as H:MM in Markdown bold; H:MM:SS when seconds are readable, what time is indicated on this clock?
**9:46:03**
